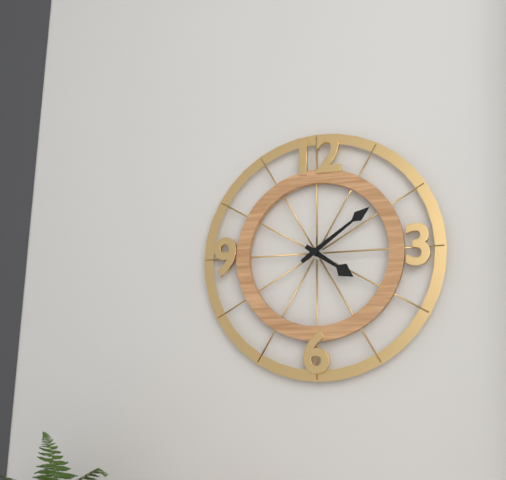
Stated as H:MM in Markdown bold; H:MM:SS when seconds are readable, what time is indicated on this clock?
**4:09**
